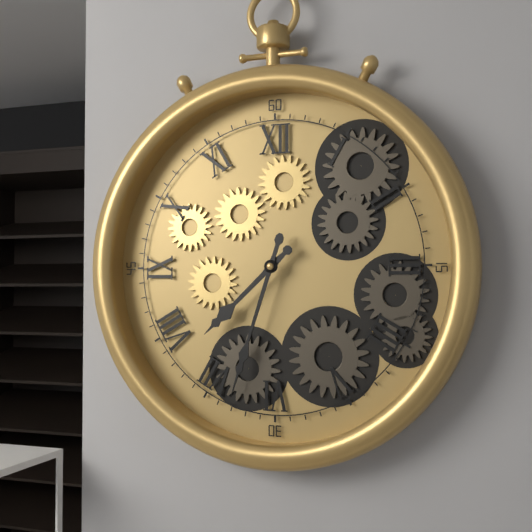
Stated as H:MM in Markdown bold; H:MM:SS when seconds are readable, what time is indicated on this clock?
**7:33**
